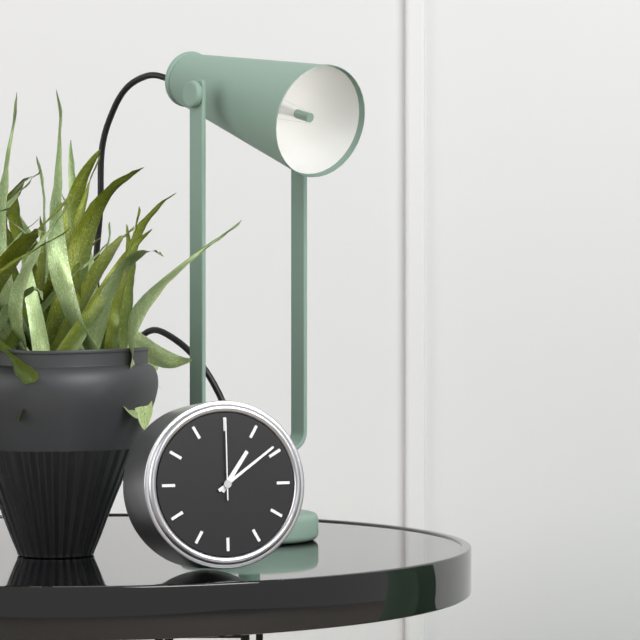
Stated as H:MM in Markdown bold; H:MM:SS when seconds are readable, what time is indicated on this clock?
**1:09:00**
